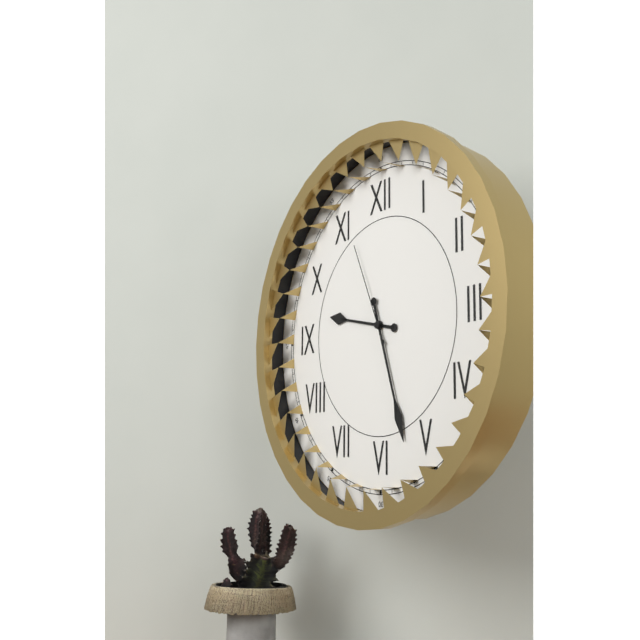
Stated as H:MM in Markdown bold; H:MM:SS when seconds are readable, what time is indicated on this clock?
**9:27:56**
